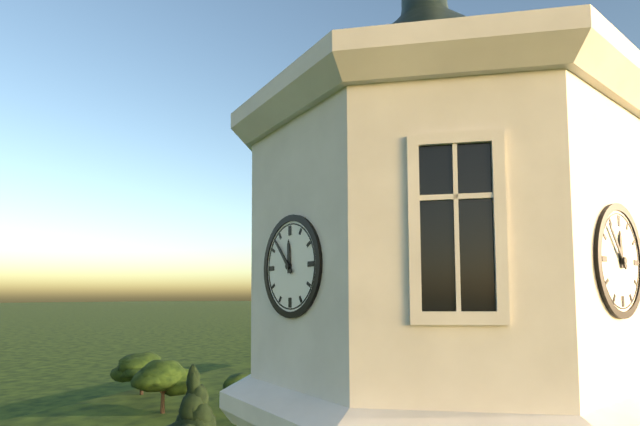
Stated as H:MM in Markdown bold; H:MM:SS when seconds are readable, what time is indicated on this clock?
**11:53**
